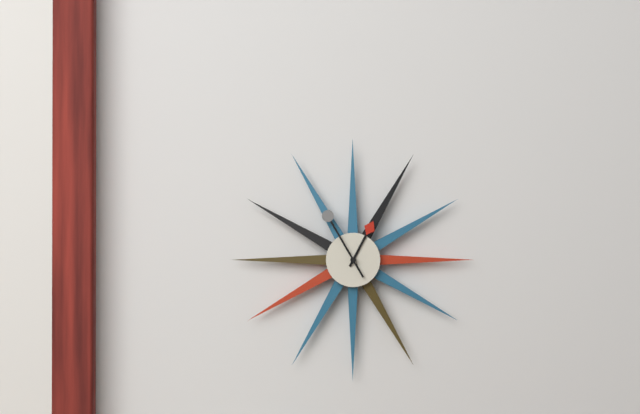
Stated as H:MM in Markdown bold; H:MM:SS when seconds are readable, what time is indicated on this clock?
**12:55**
